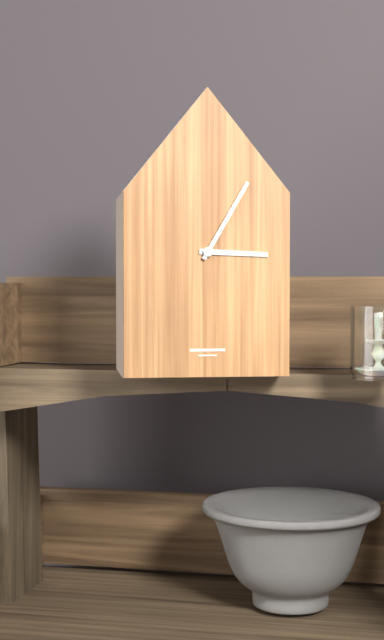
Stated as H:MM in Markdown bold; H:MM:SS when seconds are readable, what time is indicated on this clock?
**3:05**
